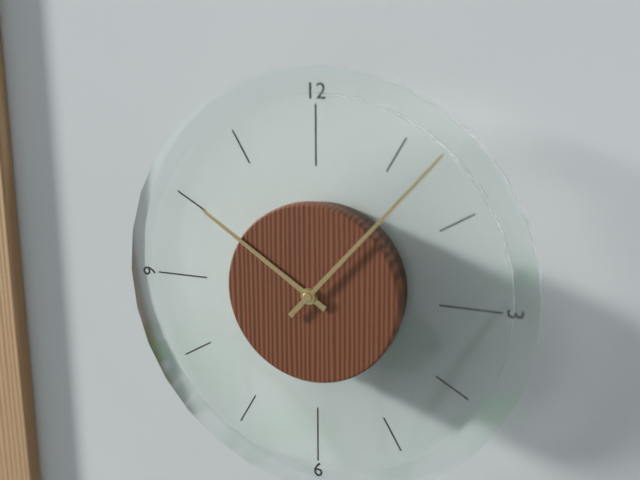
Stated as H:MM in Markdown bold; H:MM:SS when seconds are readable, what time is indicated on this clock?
**10:07**
